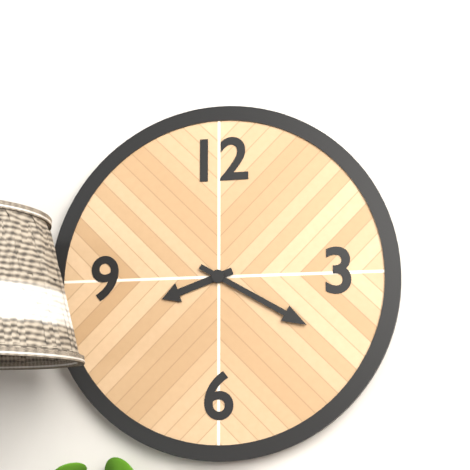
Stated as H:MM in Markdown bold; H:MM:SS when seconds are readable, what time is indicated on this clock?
**8:20**
